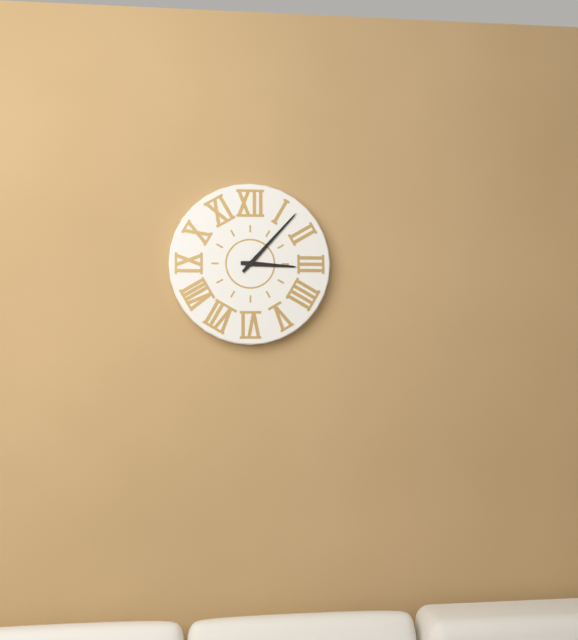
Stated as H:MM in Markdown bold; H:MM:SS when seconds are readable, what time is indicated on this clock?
**3:07**
